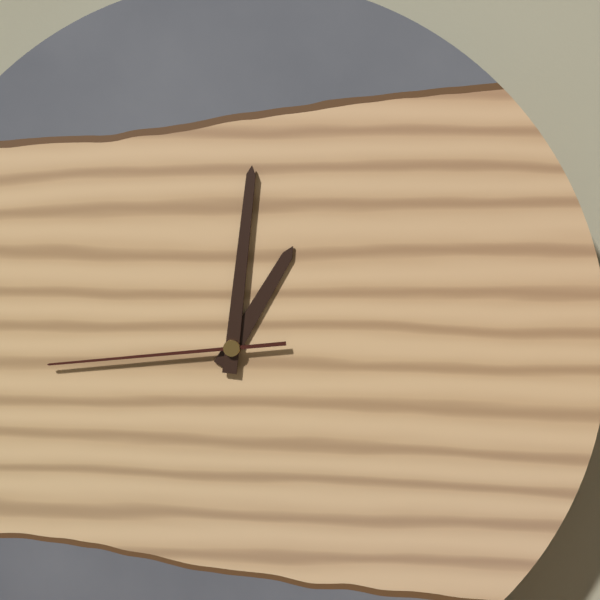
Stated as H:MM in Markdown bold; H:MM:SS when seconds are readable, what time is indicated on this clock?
**1:01:44**
